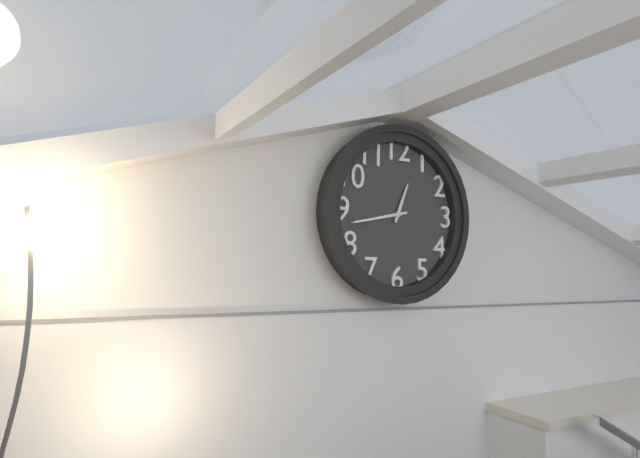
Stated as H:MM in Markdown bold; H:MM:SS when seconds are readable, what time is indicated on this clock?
**12:43**
